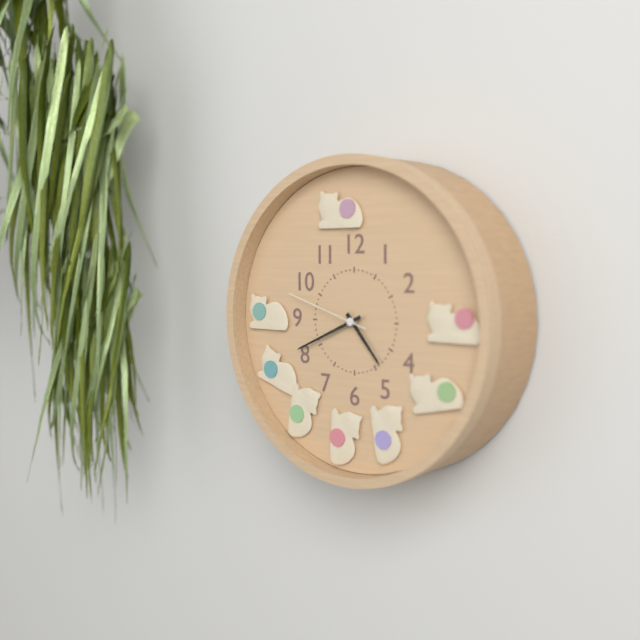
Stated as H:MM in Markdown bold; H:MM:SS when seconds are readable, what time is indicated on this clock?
**4:41:48**
